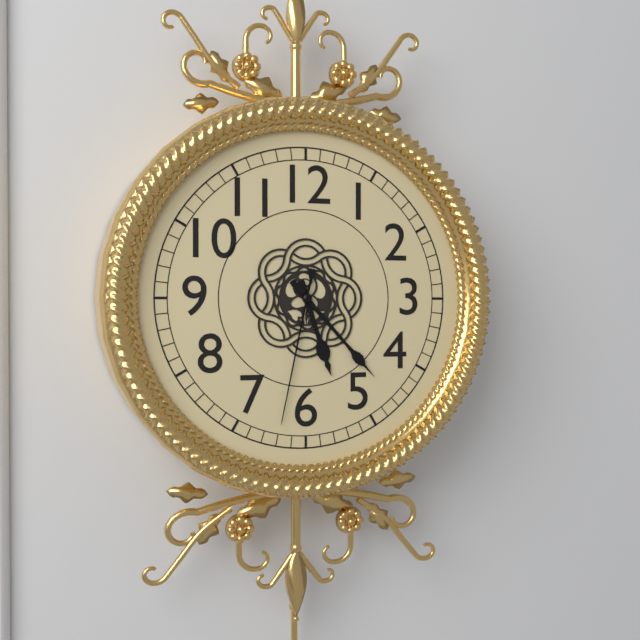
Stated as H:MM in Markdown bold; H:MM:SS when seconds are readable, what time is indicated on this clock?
**5:23:32**
